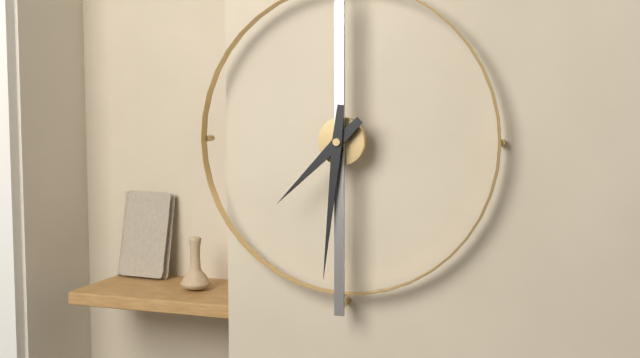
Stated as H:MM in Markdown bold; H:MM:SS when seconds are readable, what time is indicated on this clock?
**7:31**
